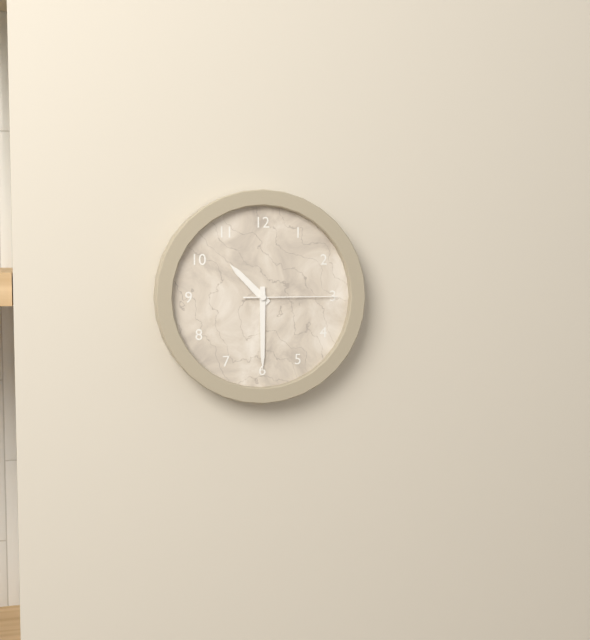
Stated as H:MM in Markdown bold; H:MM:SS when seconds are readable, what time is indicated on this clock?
**10:30:15**
